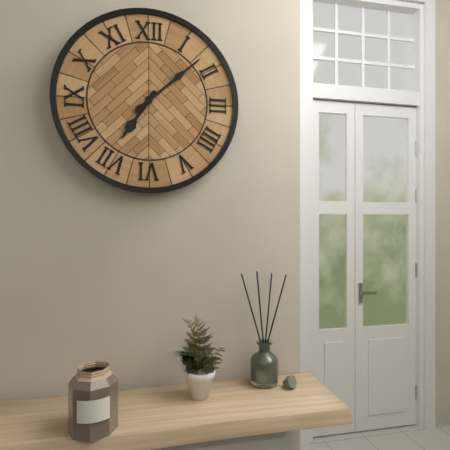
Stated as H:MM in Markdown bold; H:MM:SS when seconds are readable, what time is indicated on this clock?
**7:08**
